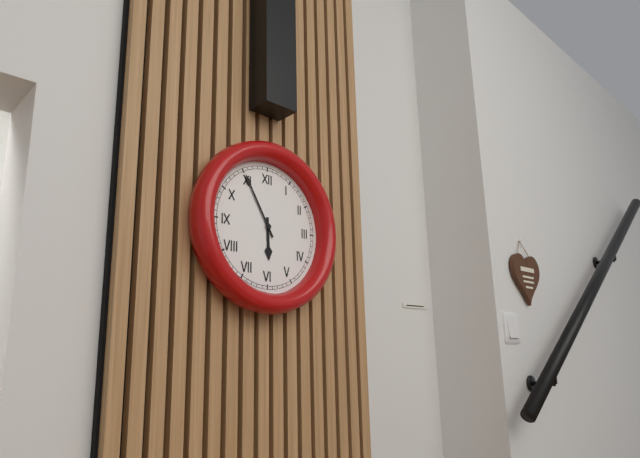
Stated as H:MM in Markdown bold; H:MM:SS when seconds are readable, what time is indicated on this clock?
**5:55**
